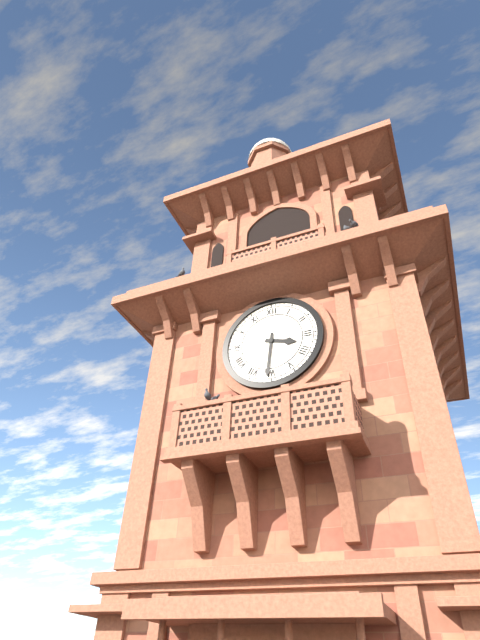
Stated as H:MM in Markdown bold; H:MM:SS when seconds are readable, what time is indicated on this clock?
**3:31**
